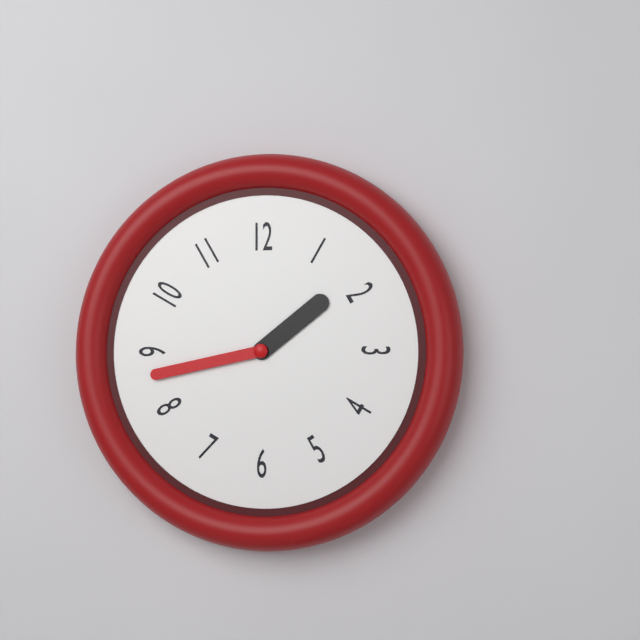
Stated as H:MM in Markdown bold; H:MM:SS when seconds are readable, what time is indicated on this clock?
**1:43**
